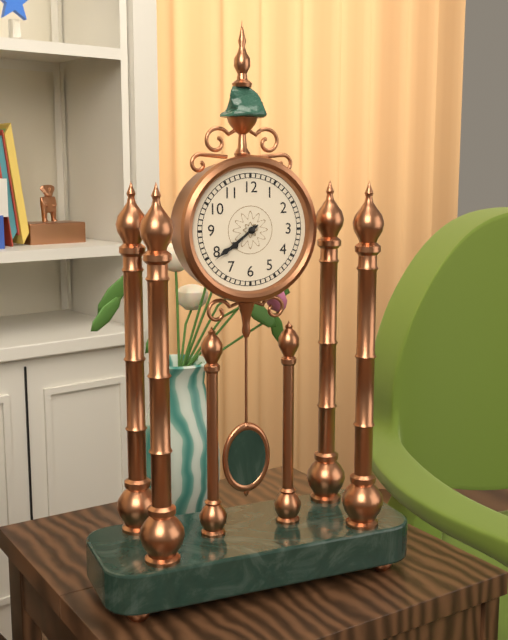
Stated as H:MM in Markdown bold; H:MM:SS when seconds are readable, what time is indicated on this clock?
**7:39**
